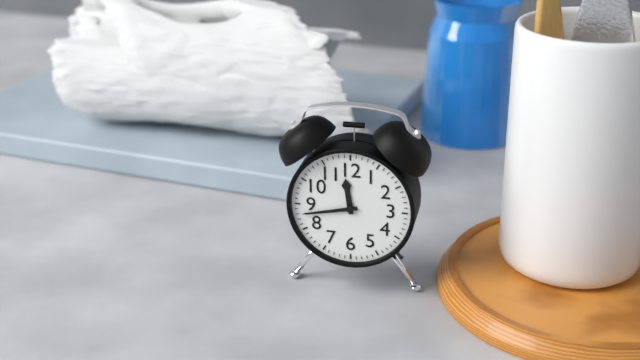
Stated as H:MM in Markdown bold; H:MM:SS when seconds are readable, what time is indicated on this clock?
**11:43**
